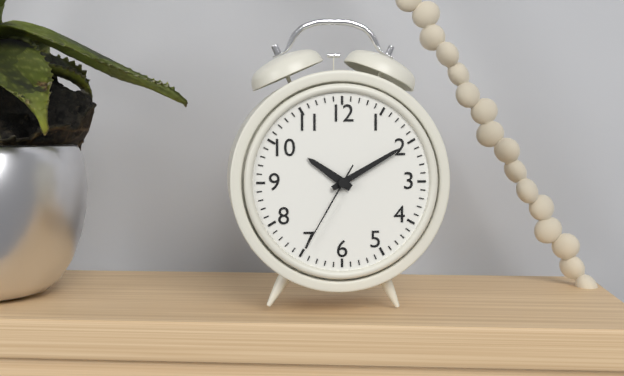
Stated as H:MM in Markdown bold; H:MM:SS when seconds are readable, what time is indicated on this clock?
**10:10:35**
